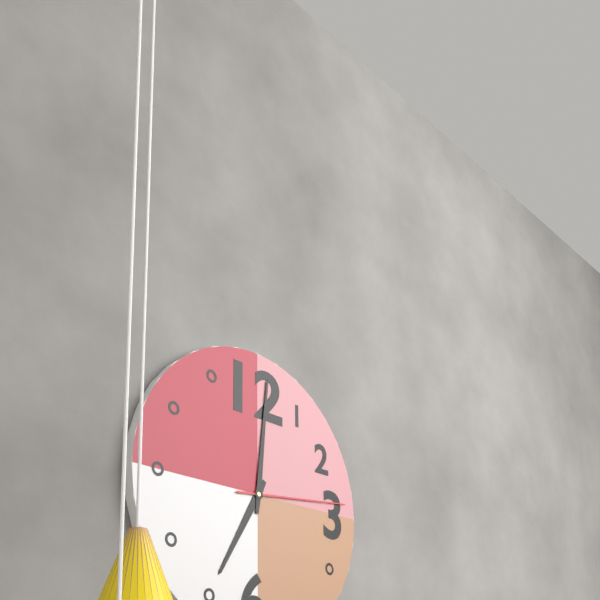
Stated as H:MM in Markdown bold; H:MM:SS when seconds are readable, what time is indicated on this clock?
**7:01:14**
